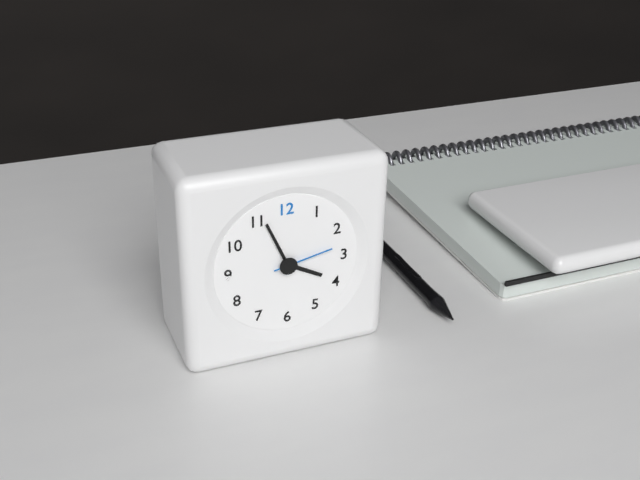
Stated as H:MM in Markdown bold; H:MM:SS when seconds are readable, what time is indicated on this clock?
**3:56:13**
